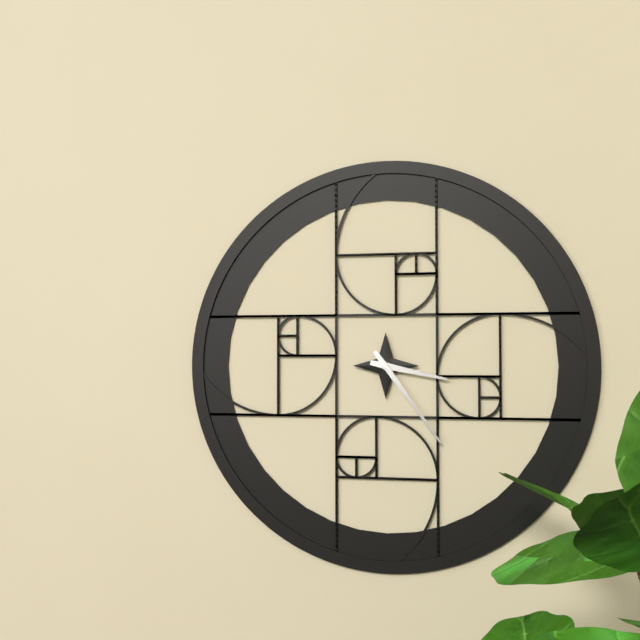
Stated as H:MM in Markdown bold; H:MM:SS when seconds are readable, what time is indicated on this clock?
**3:24**
